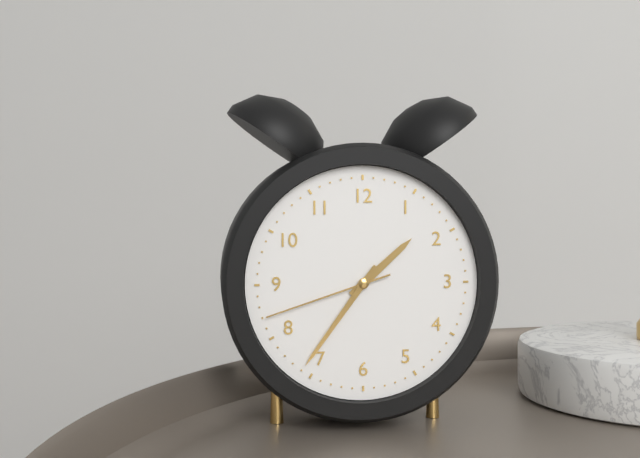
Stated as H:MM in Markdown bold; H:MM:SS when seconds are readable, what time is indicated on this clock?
**1:36:42**
